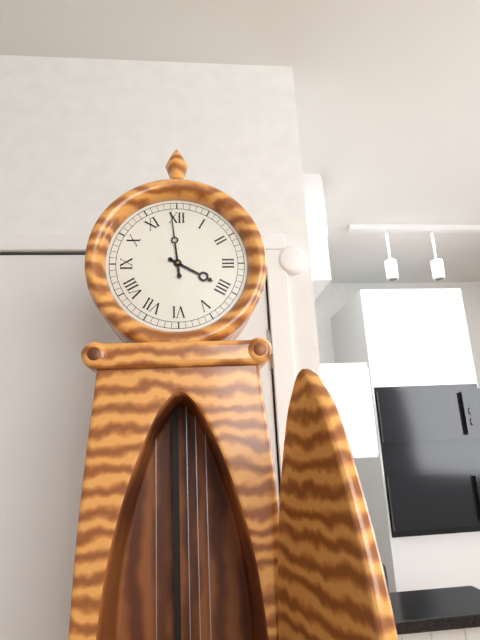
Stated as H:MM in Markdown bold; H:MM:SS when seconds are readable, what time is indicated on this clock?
**3:59**
